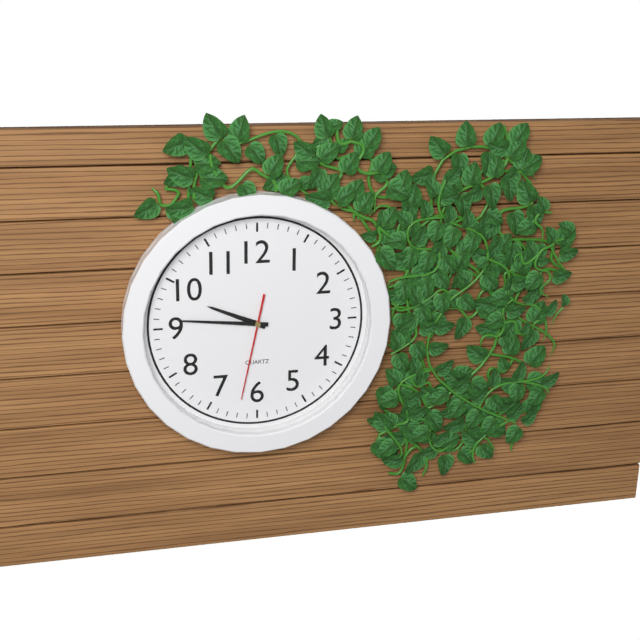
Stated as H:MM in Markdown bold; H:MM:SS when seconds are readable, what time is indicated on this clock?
**9:46:32**
